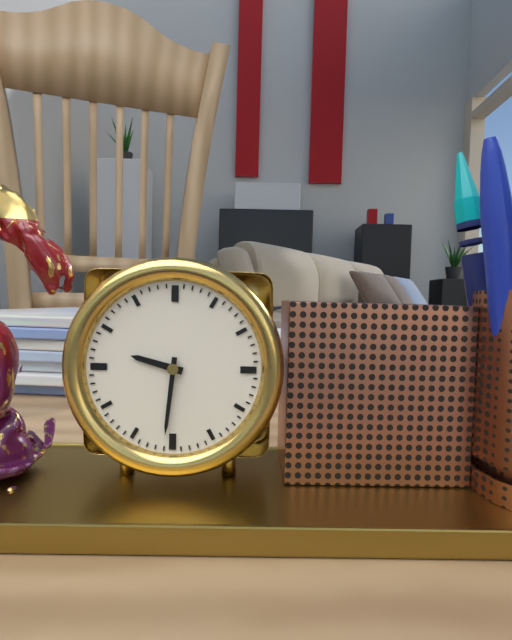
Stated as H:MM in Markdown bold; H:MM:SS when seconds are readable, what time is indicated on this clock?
**9:31**
